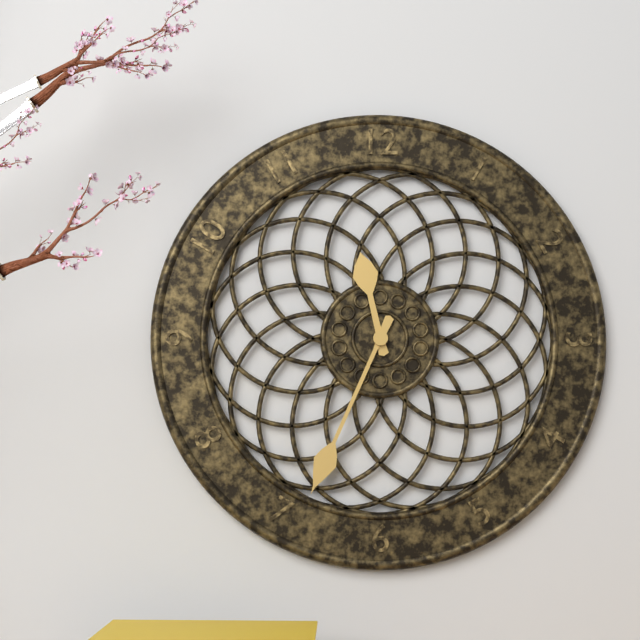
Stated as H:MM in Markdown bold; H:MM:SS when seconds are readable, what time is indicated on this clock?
**11:34**
